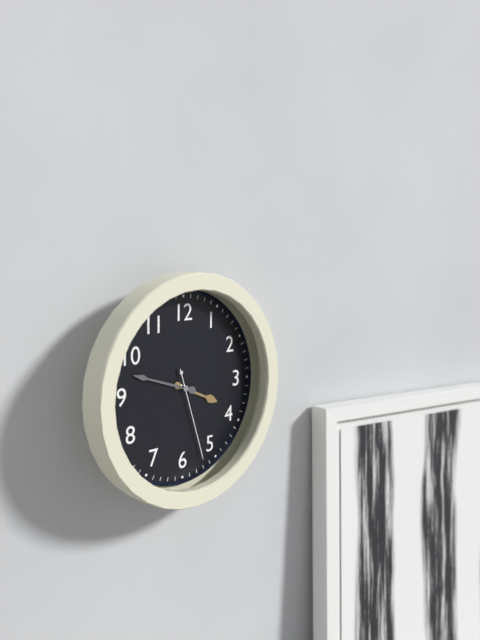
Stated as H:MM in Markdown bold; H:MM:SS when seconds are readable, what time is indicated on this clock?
**3:48:27**
